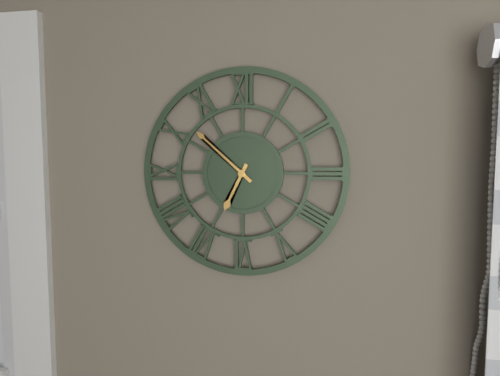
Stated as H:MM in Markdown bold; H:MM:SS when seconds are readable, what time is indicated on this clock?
**6:52**
